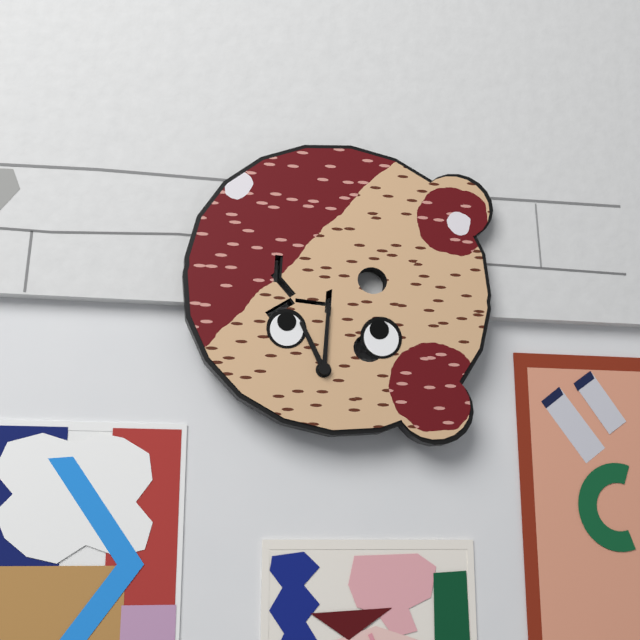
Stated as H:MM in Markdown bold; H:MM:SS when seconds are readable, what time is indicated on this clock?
**11:00**
